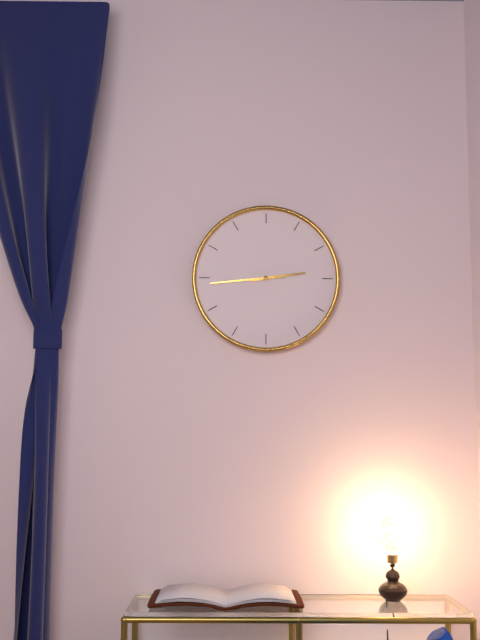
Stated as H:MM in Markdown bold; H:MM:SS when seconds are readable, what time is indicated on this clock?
**2:44**
